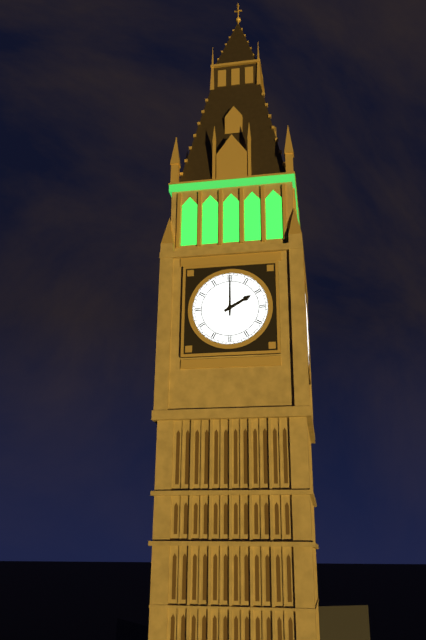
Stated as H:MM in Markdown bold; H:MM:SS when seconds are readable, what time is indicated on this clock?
**2:00**
